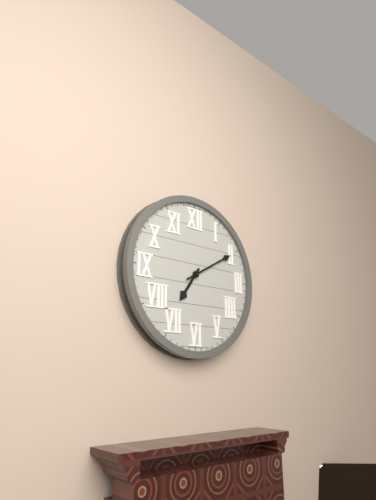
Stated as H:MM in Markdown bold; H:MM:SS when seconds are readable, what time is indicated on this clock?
**7:10**
